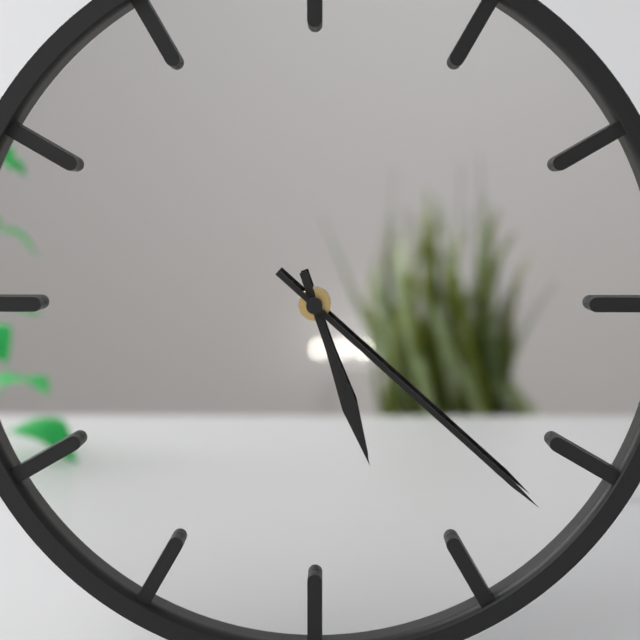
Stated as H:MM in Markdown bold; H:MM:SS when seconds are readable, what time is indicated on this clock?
**5:22**
